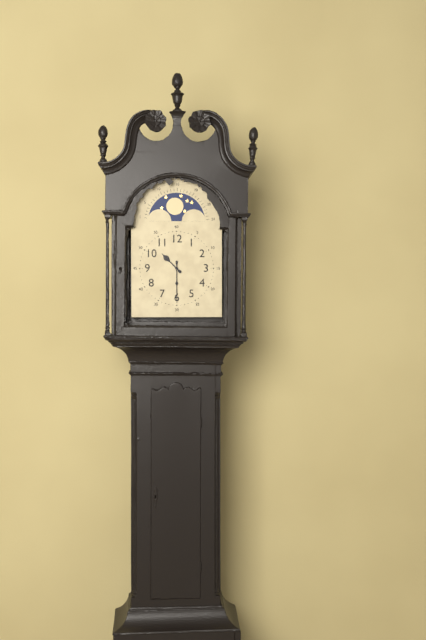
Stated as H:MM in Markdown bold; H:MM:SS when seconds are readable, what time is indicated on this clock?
**10:30**
